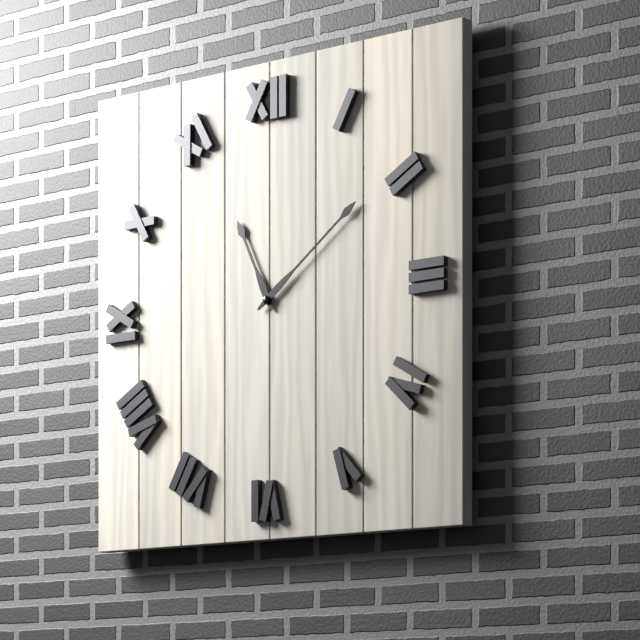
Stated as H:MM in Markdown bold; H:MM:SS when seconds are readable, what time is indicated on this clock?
**11:09**
